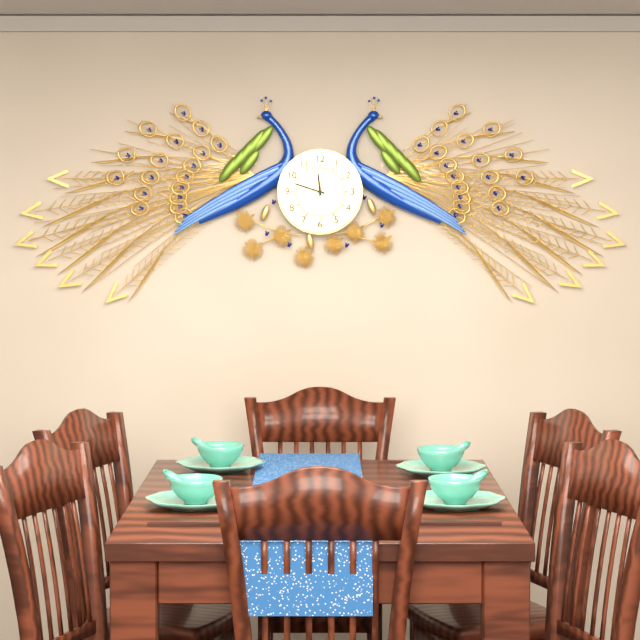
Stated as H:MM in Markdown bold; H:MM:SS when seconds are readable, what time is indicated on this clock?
**11:48**
